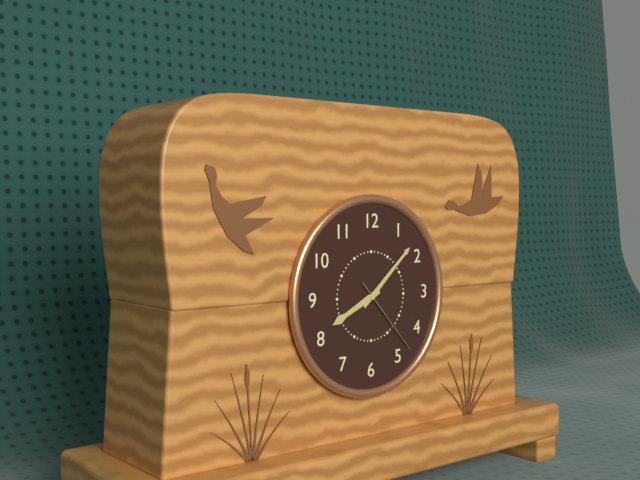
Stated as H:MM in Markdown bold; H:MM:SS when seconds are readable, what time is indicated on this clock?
**8:08:23**
